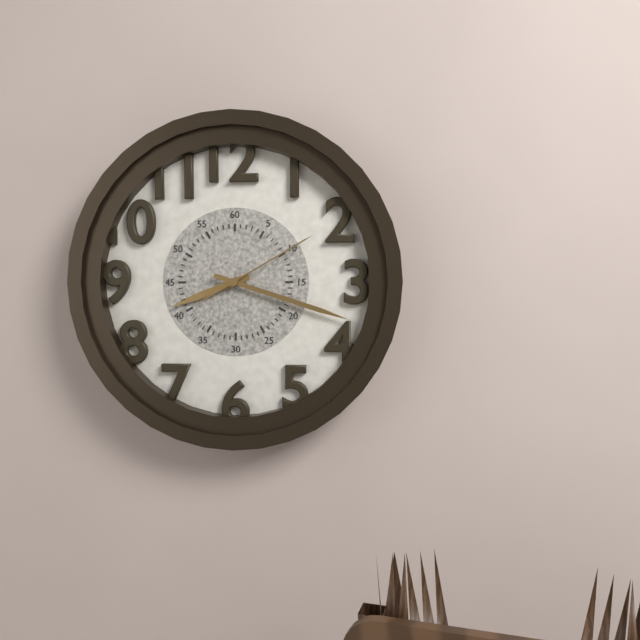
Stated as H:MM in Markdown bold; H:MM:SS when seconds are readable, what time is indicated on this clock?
**8:18:10**
